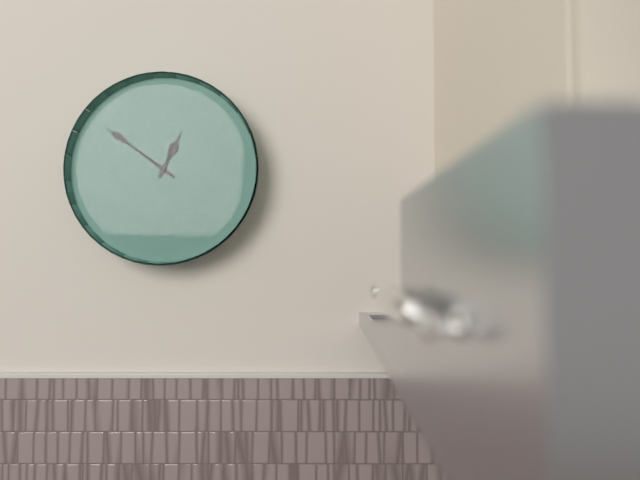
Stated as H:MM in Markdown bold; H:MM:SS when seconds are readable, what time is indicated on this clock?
**12:51**
